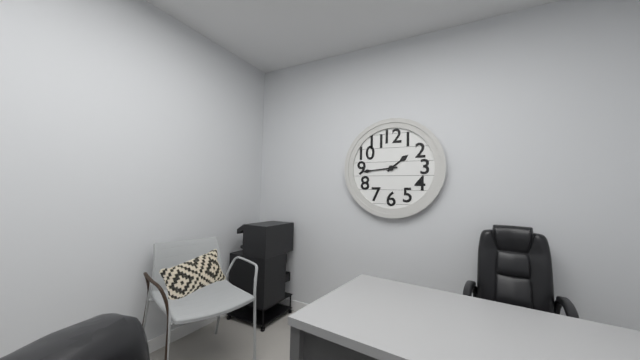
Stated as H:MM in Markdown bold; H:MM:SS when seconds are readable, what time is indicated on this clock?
**1:44**
